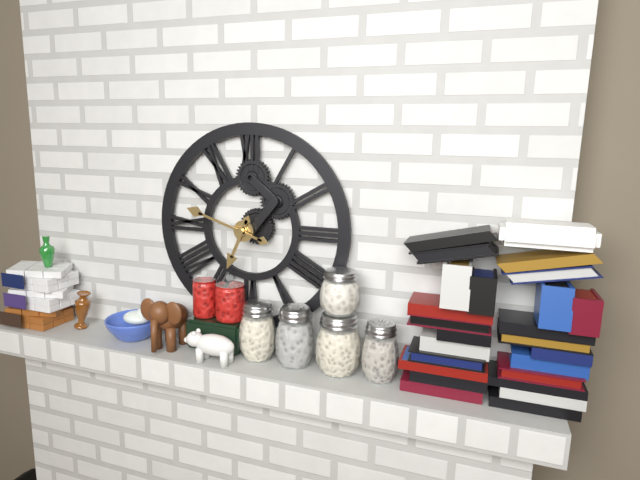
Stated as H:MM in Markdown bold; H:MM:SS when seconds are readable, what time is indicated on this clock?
**6:48**
